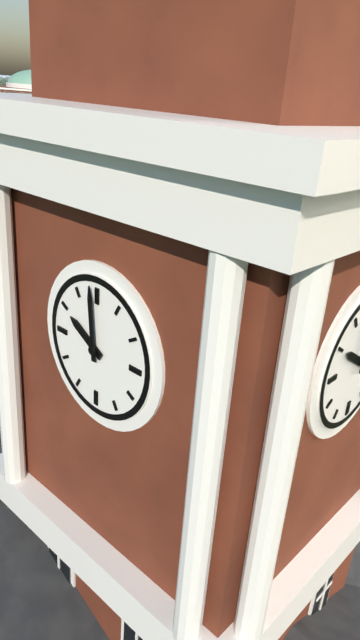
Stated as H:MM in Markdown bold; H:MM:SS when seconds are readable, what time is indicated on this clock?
**9:59**
